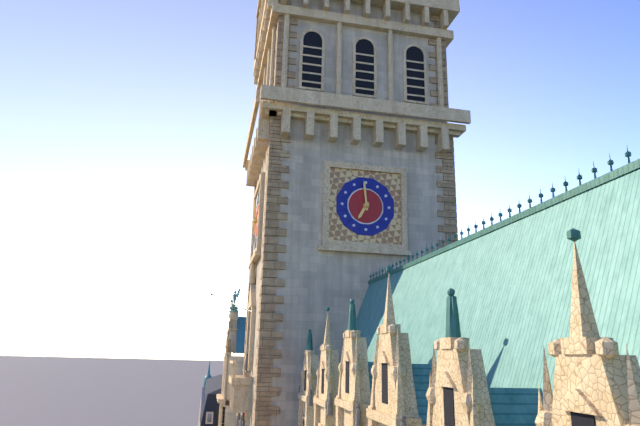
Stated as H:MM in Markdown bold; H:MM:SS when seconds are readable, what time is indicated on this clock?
**6:59**
